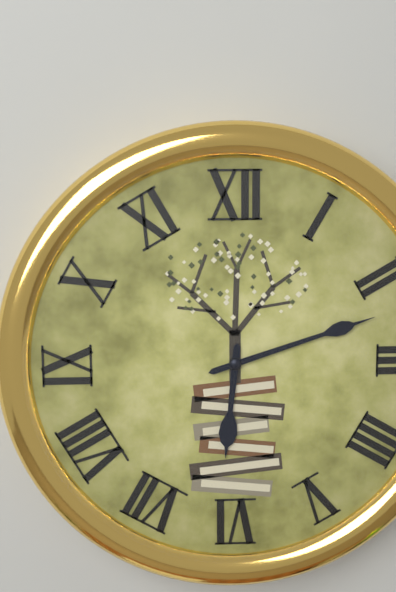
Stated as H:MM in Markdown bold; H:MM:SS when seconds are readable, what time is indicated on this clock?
**6:12**
